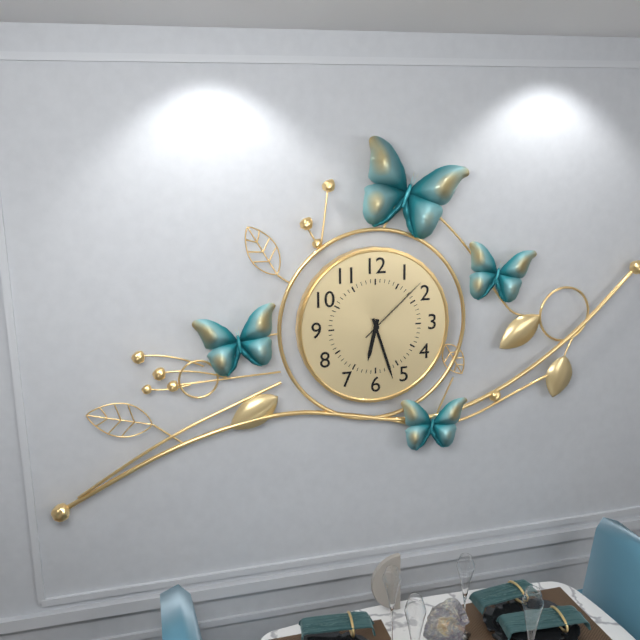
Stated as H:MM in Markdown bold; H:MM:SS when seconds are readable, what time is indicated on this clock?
**6:27:08**
